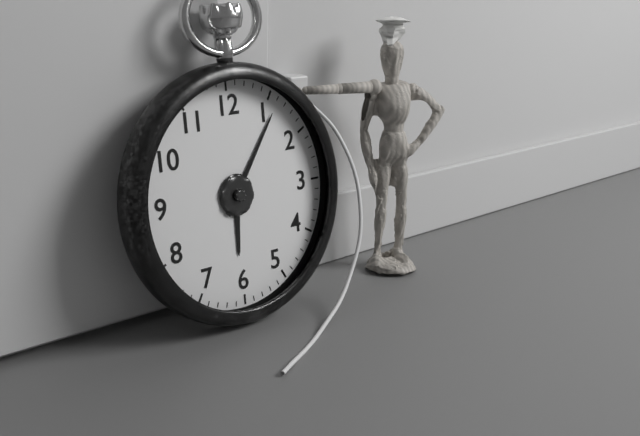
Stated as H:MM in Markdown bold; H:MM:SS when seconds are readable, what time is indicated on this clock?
**6:06**
